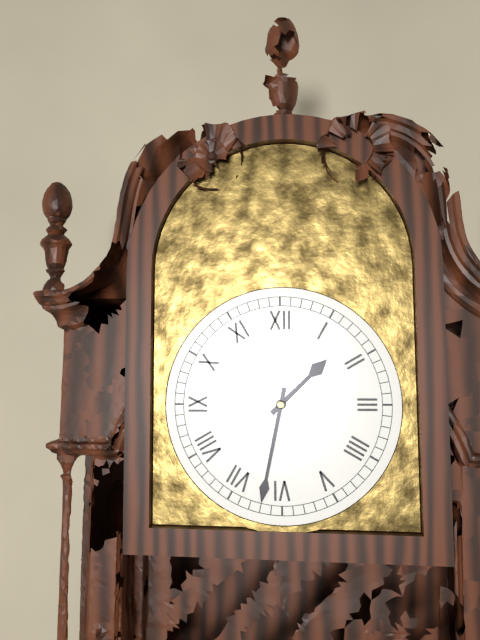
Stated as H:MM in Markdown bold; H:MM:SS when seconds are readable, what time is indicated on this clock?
**1:32**
